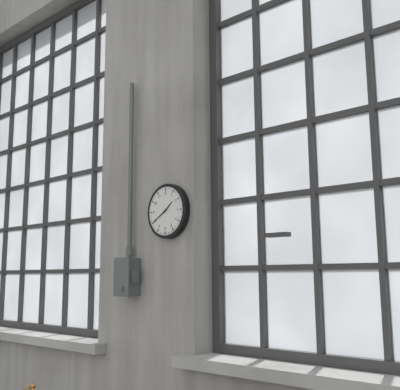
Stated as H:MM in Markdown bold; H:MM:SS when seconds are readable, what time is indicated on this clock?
**1:40**
